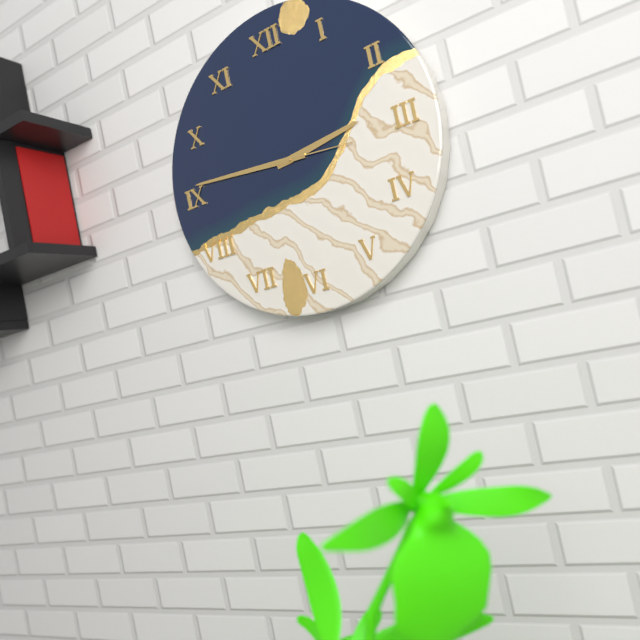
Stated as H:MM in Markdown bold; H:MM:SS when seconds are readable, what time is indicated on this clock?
**2:46:16**
